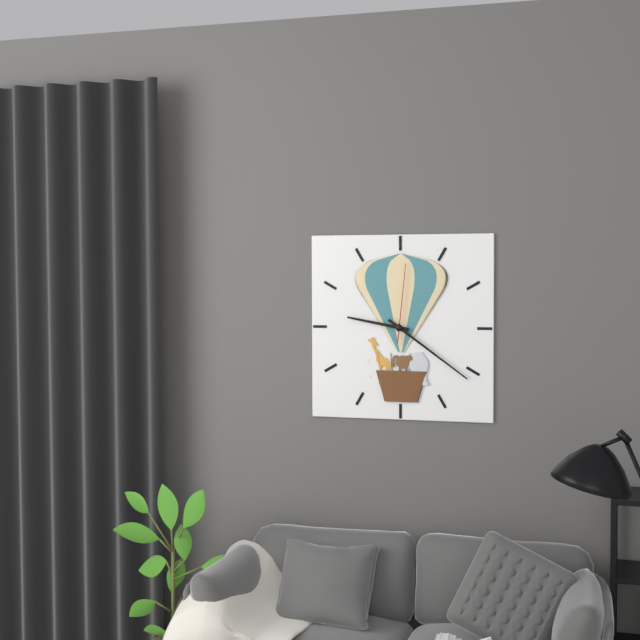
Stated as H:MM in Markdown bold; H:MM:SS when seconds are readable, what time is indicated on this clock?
**9:21:01**
